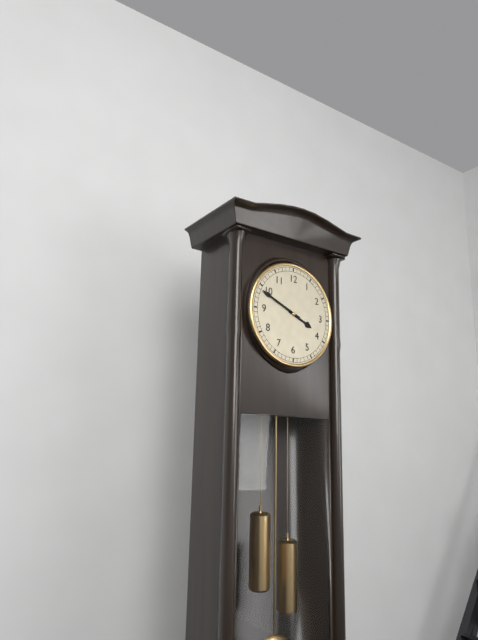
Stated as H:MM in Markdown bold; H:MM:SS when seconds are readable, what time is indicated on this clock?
**3:49**
